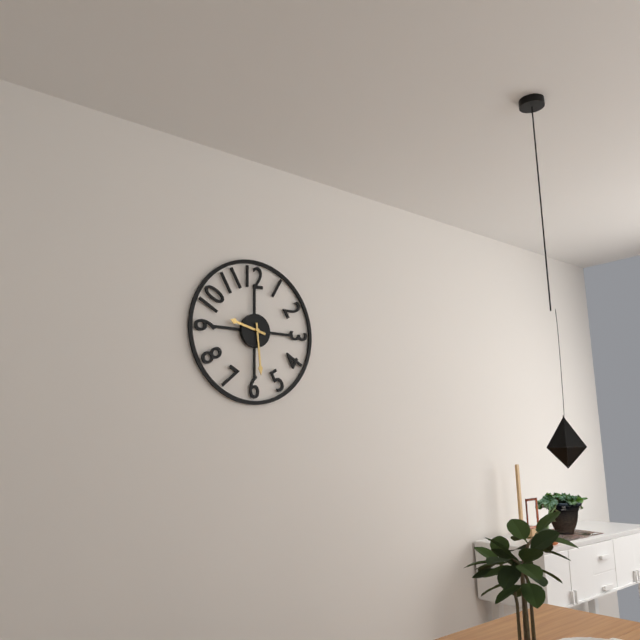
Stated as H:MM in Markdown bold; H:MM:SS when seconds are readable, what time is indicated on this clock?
**9:29**
